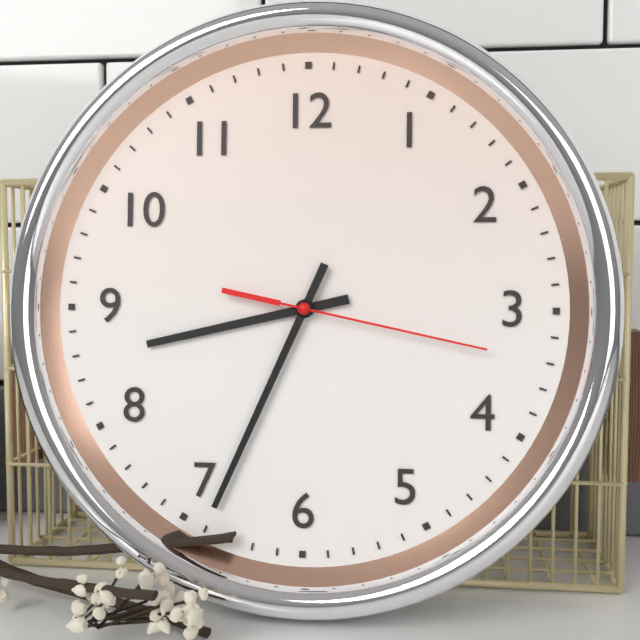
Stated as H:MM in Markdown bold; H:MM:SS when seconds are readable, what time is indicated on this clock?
**8:34:17**
